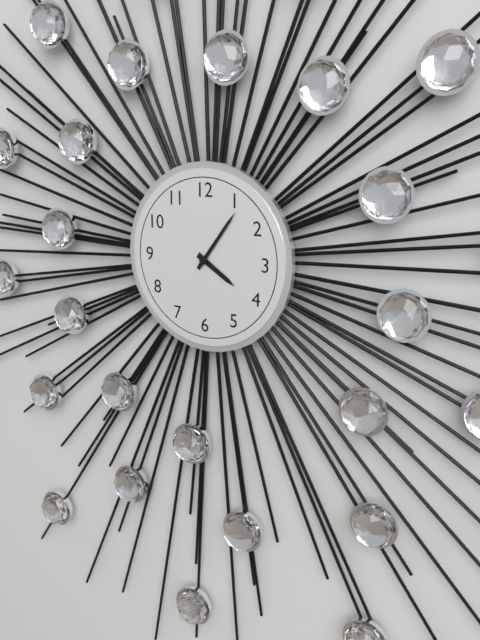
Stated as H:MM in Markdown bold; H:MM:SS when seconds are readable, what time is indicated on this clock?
**4:06**
